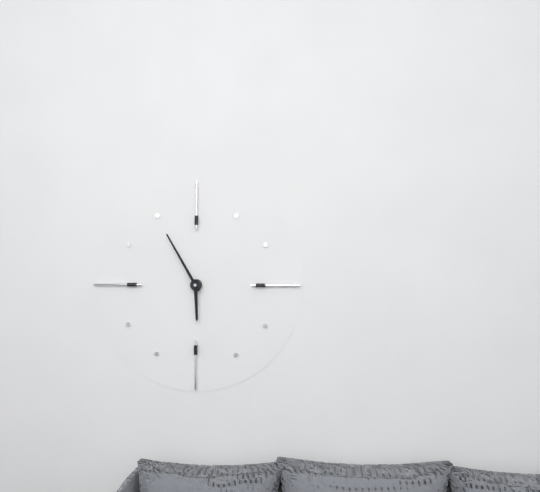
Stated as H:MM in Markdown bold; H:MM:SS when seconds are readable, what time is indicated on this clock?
**5:55**
